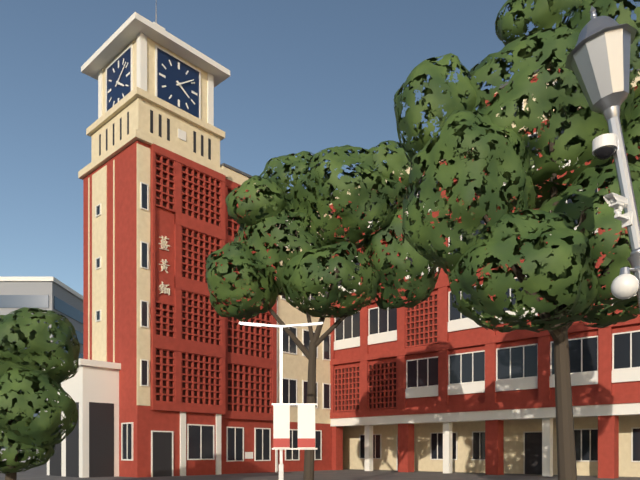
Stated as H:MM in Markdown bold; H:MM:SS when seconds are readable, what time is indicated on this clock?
**4:09**
